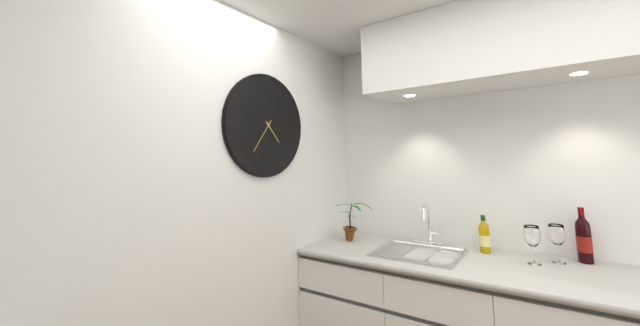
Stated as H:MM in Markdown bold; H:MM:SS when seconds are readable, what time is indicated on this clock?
**4:36**
